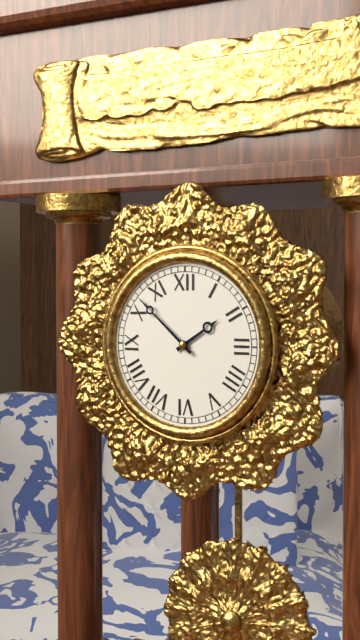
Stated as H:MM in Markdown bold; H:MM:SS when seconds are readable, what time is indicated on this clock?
**1:52**
